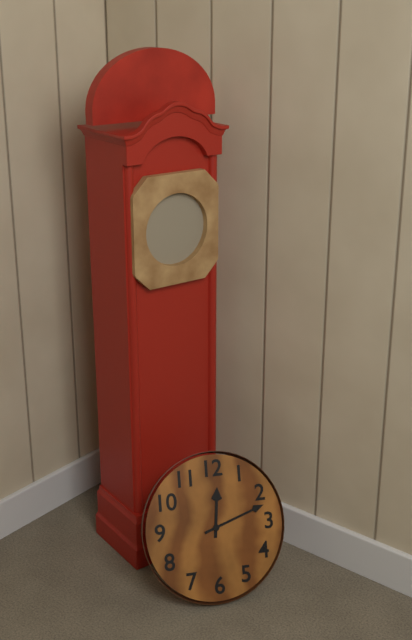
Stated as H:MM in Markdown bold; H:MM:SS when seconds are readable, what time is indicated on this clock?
**12:12**
